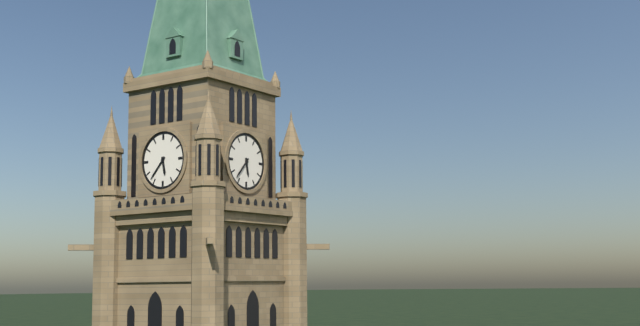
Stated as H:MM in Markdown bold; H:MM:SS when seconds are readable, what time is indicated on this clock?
**5:37**
